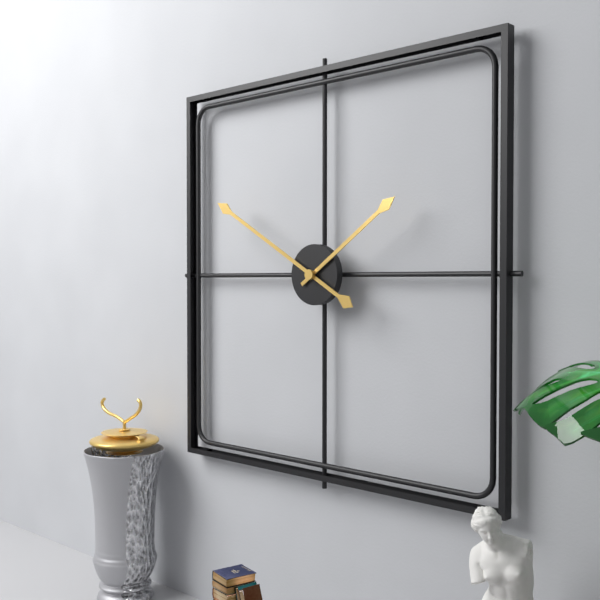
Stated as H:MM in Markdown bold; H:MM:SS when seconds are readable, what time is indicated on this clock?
**1:50**
